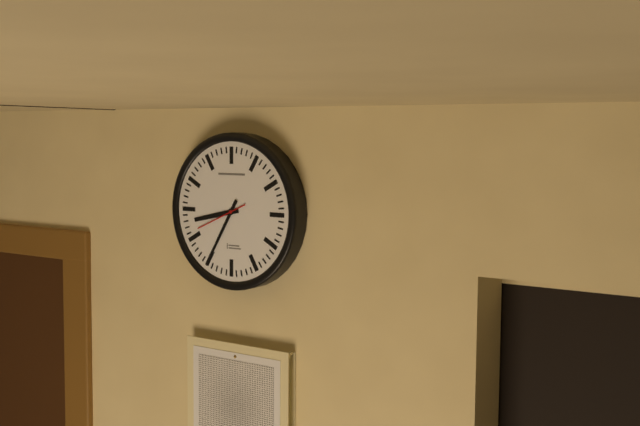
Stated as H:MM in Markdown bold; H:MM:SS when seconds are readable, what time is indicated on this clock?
**8:35**
